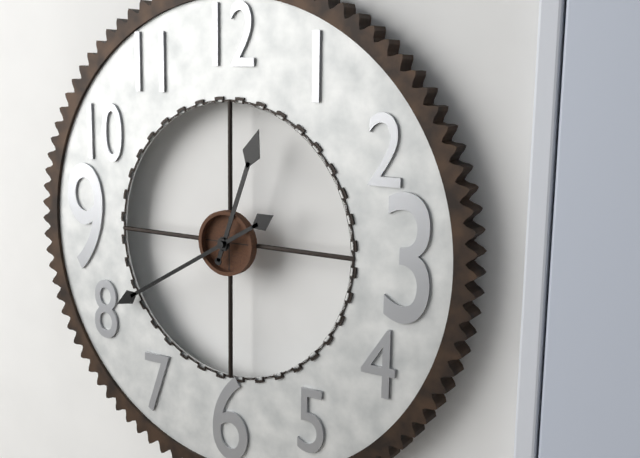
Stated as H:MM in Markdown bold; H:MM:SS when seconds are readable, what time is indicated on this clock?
**12:40**
